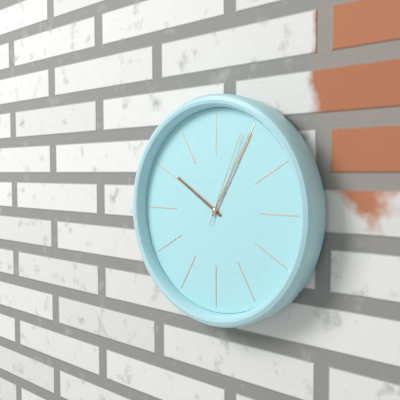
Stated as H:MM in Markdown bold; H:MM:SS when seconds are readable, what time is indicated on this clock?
**10:05:04**
